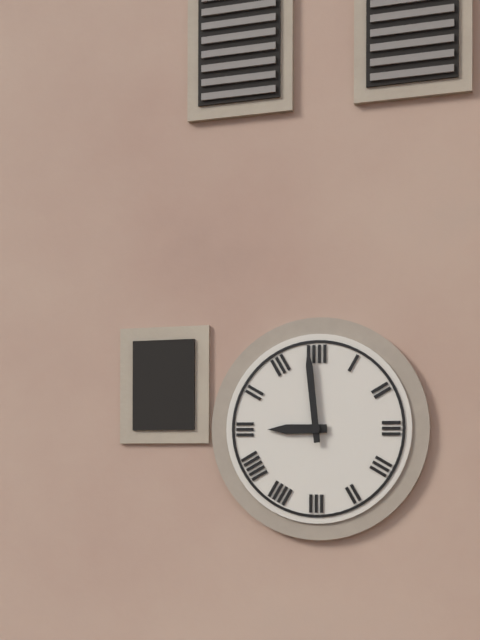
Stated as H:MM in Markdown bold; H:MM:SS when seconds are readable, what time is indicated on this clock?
**8:59**
